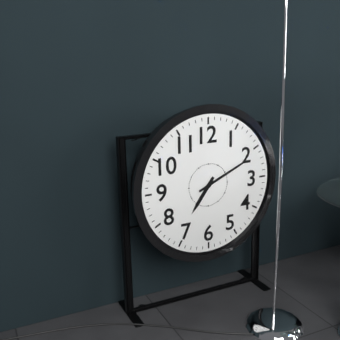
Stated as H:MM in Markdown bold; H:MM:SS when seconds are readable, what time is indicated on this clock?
**7:11**
